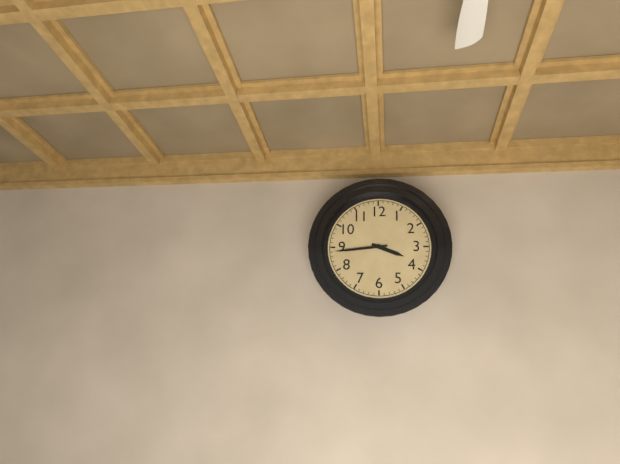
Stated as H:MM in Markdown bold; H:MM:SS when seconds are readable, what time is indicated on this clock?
**3:44**
